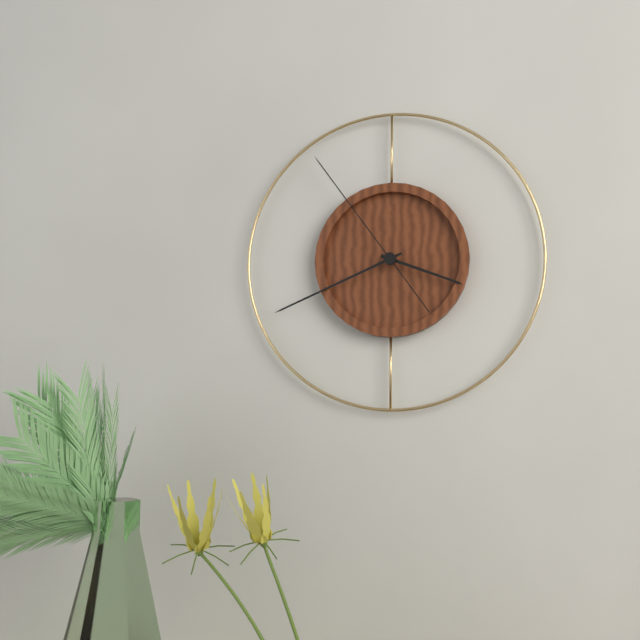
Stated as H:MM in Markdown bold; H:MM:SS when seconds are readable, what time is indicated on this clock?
**3:41:54**
